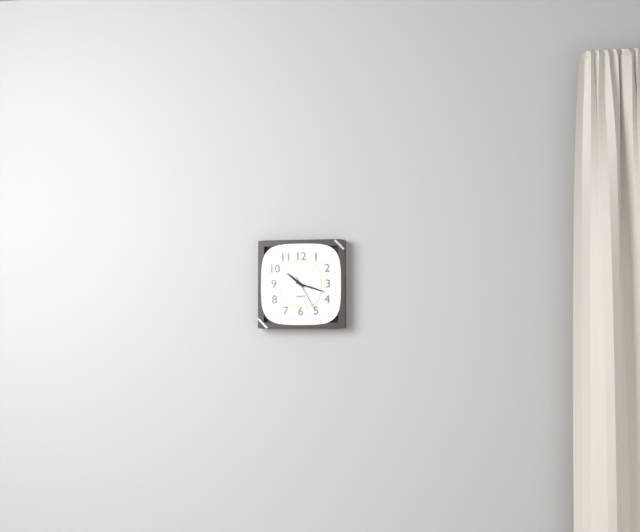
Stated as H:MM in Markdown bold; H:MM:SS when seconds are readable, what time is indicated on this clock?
**10:18**
